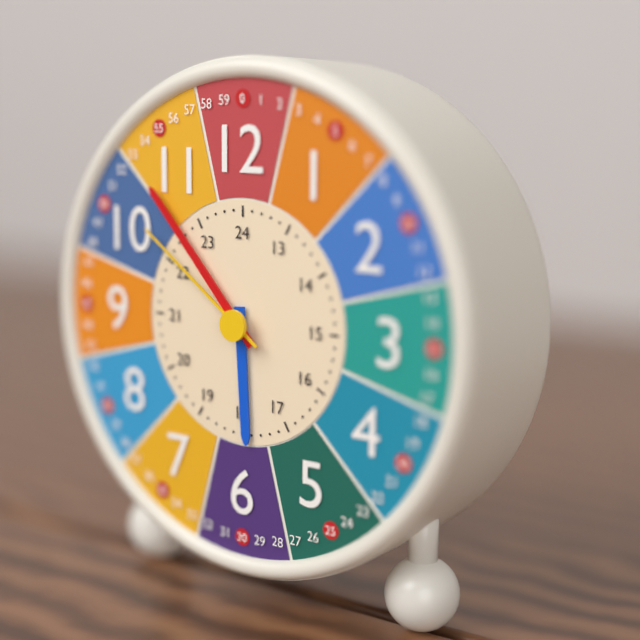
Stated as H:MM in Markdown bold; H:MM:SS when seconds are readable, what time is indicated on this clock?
**5:53:51**
